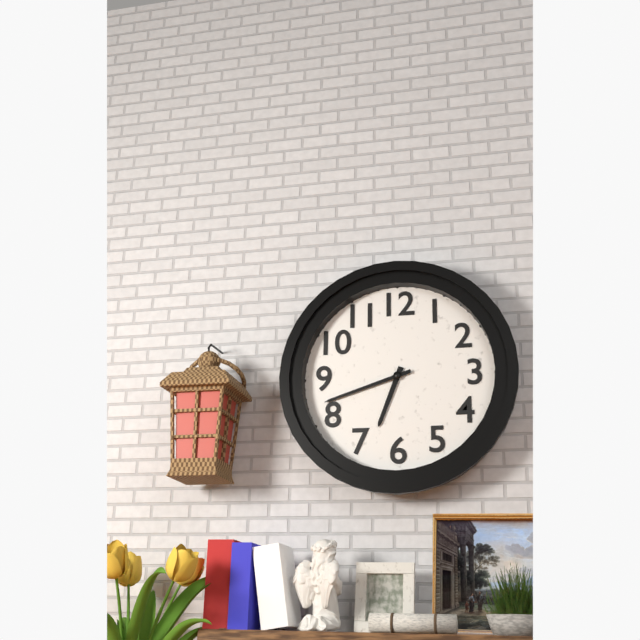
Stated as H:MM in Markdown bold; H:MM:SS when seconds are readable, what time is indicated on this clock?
**6:42**
